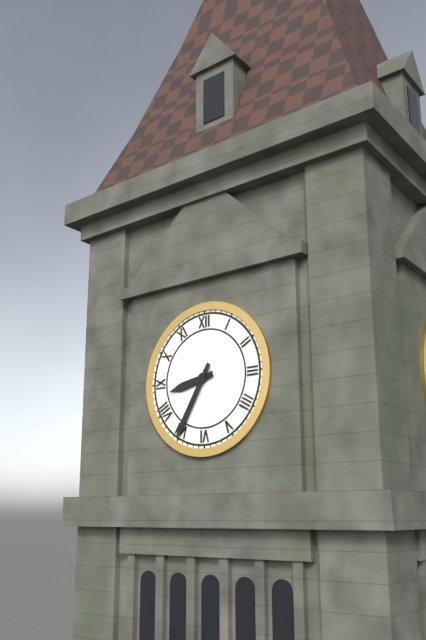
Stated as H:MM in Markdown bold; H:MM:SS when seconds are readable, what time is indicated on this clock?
**8:35**
